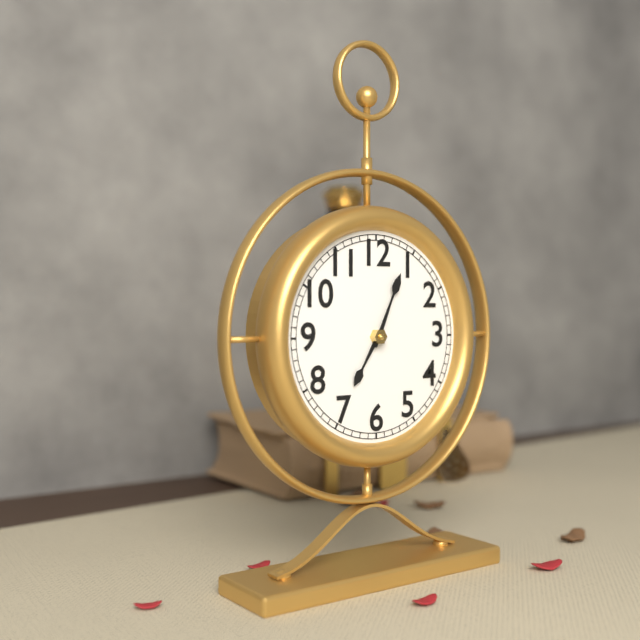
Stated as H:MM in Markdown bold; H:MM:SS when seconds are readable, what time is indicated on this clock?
**7:04**
